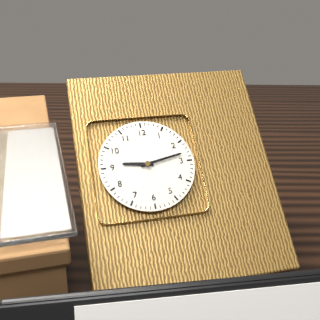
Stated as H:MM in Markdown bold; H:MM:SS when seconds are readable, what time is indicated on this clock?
**9:13**
